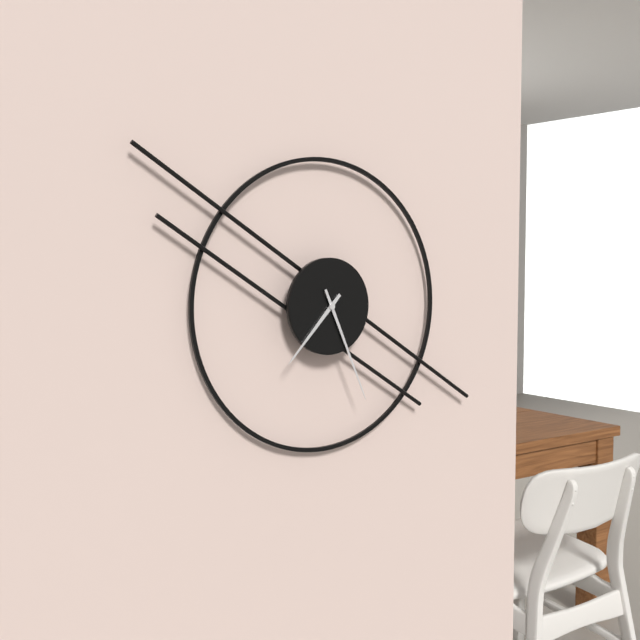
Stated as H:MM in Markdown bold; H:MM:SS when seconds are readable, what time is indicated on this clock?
**7:26**
